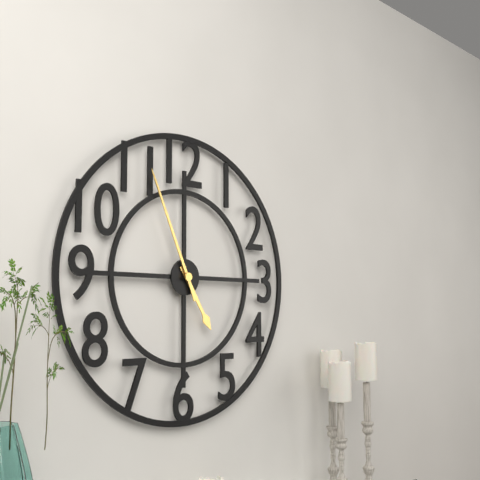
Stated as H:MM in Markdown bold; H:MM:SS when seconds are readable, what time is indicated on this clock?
**4:56**
